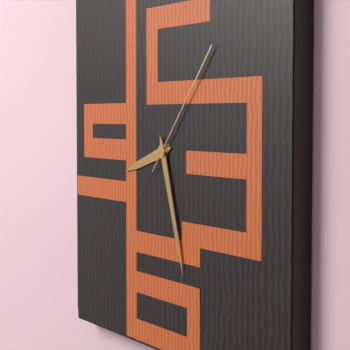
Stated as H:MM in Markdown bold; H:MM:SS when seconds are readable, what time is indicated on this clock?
**8:27:07**
